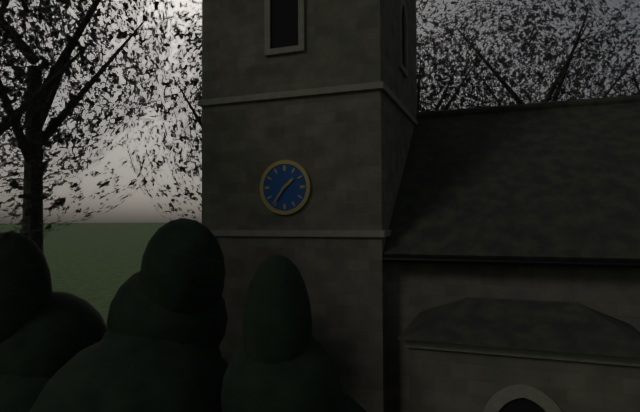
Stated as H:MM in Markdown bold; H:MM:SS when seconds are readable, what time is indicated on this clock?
**1:36**
